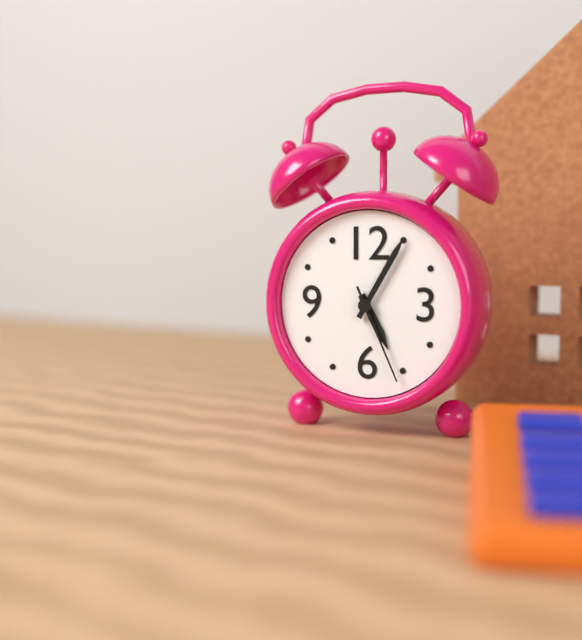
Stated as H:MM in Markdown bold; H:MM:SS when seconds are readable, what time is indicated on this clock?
**5:05:26**
